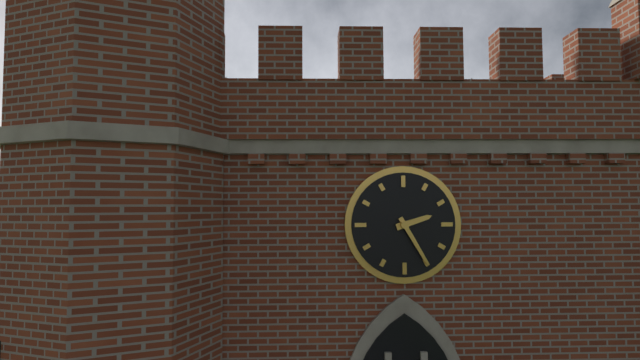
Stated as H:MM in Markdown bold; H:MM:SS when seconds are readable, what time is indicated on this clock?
**2:25**
